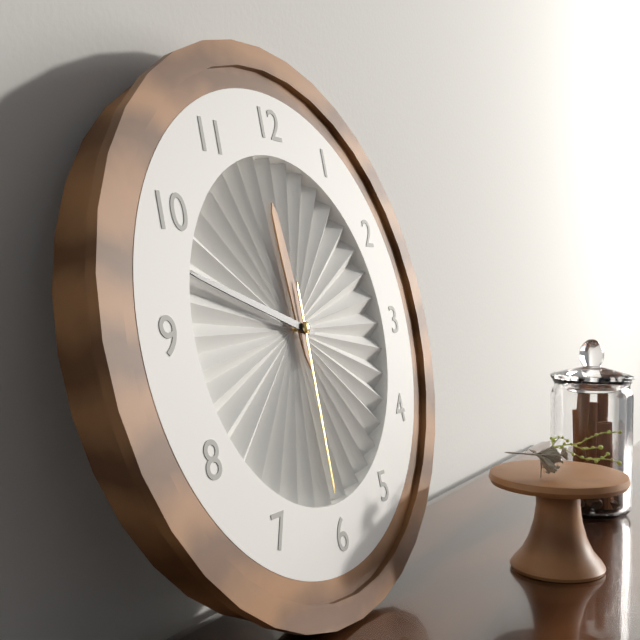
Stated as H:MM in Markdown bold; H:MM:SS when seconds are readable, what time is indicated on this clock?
**11:48:30**
